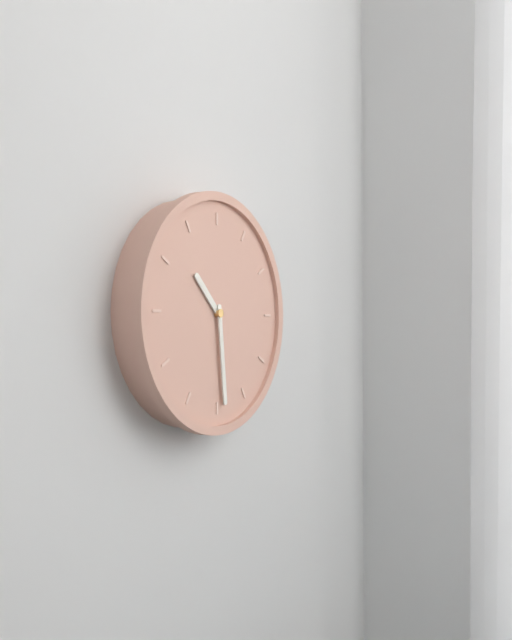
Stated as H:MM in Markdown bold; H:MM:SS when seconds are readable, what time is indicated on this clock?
**10:29**
